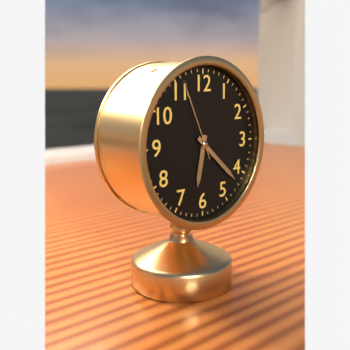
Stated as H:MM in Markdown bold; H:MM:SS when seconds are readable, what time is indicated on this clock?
**6:22:56**
